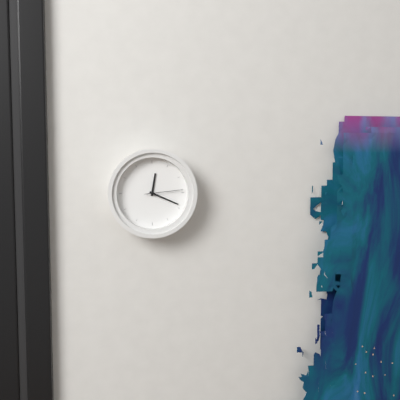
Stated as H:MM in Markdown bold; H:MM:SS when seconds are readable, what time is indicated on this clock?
**12:19**
